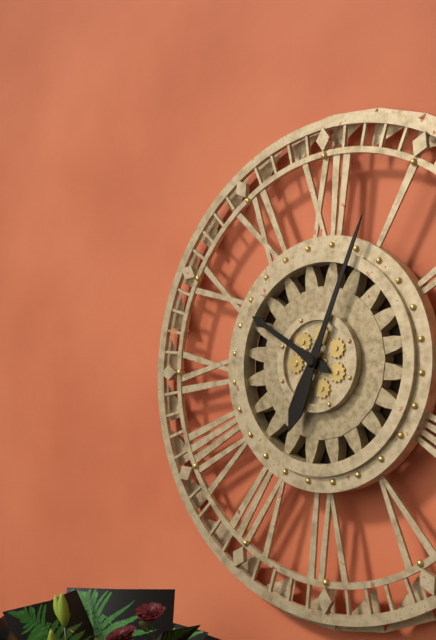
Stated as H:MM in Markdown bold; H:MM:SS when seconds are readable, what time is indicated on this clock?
**10:04**
